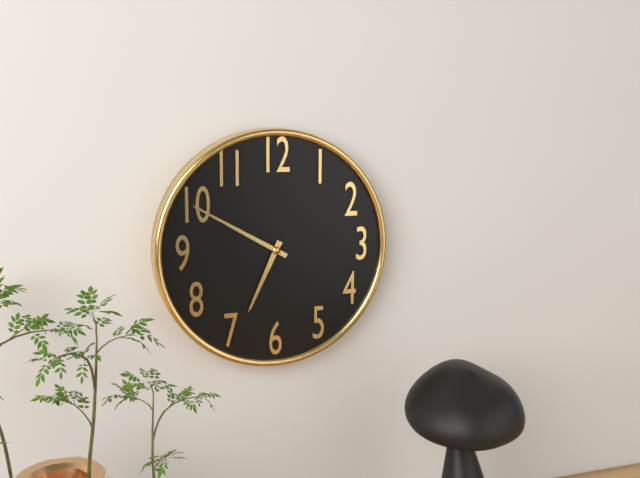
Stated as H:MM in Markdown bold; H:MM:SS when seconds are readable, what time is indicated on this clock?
**6:50**
